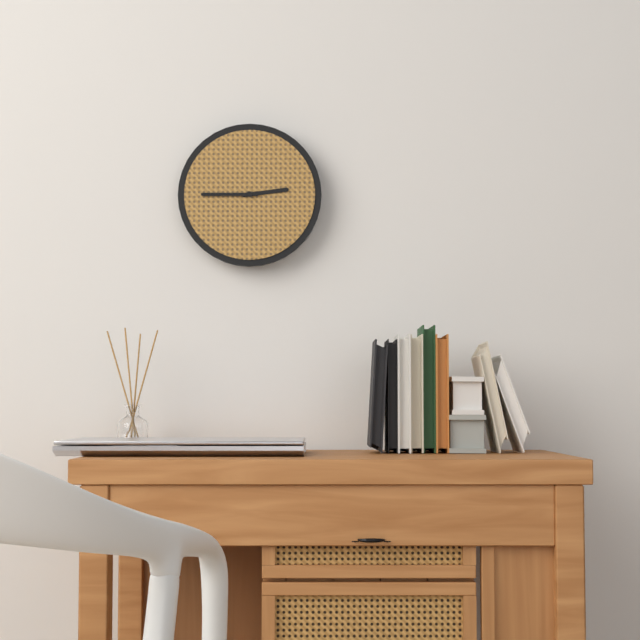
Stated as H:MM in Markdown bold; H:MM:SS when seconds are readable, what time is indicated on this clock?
**2:45**
